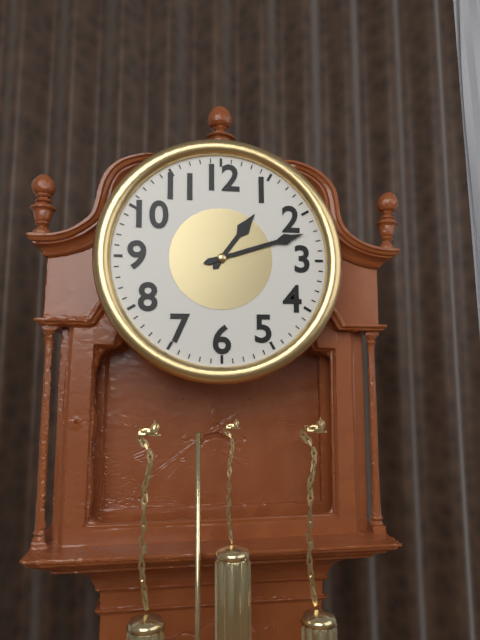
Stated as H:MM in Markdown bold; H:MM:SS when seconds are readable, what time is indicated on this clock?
**1:12**
